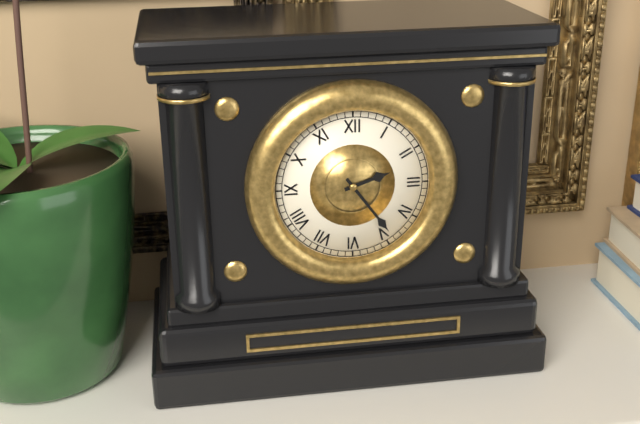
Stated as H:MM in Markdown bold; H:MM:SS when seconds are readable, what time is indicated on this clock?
**2:24**
